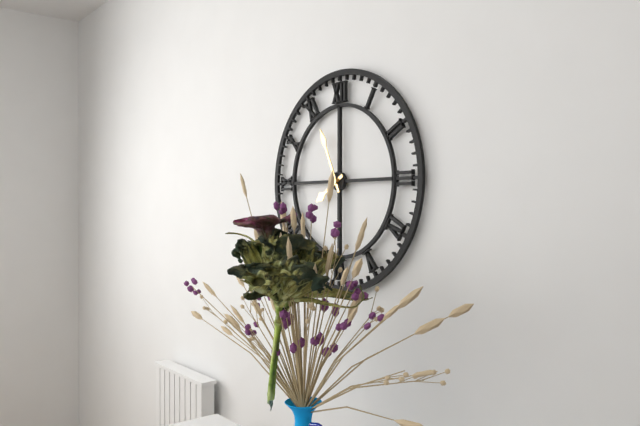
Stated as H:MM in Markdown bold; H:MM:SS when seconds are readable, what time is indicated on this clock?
**7:56**
